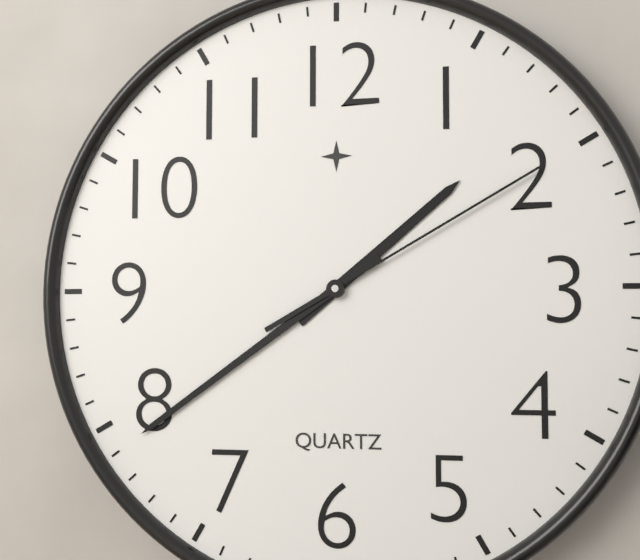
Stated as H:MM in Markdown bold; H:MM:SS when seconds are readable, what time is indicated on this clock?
**1:39:10**
